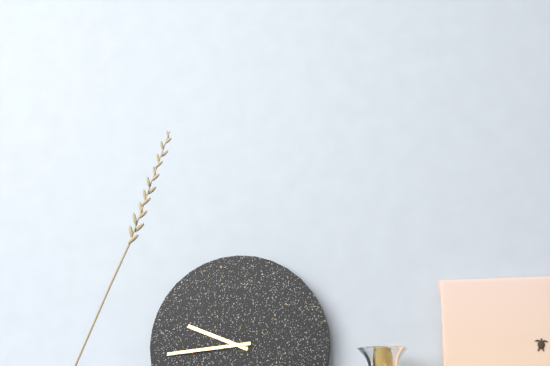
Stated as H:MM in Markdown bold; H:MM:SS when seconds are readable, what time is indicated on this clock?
**9:44**
